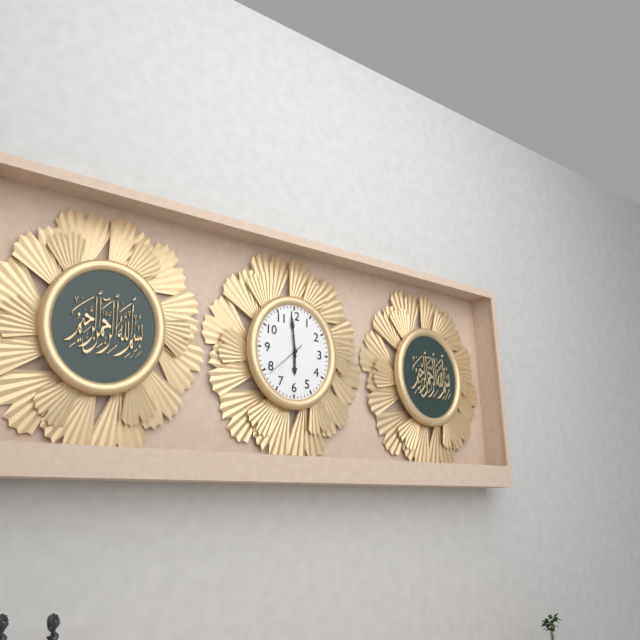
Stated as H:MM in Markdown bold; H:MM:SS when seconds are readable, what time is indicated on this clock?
**5:59**
